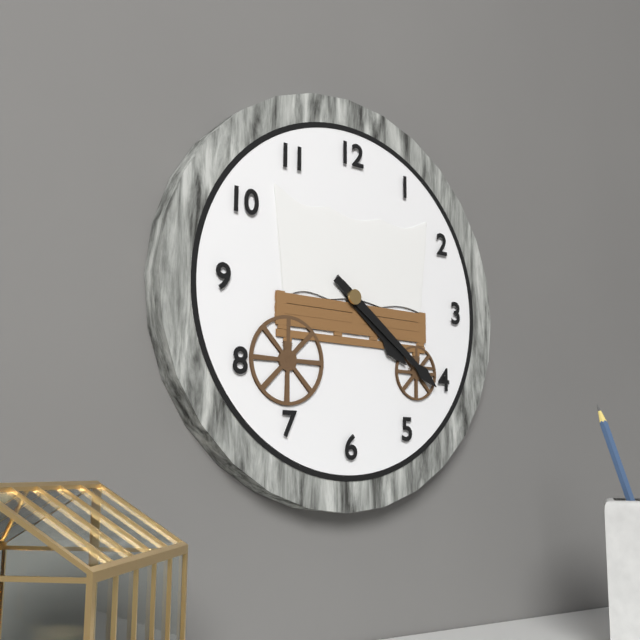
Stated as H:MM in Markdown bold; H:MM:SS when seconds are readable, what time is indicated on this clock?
**4:21**
